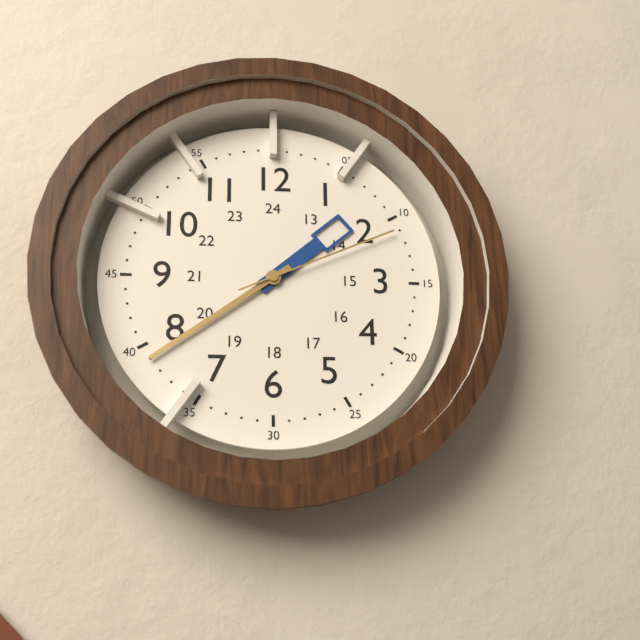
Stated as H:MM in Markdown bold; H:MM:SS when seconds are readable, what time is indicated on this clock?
**1:39:11**
